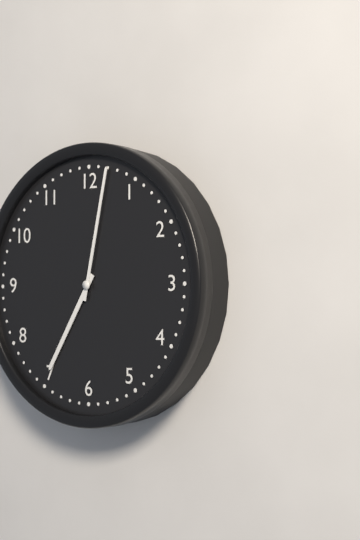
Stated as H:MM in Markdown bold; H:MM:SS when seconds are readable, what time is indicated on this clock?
**7:02**
